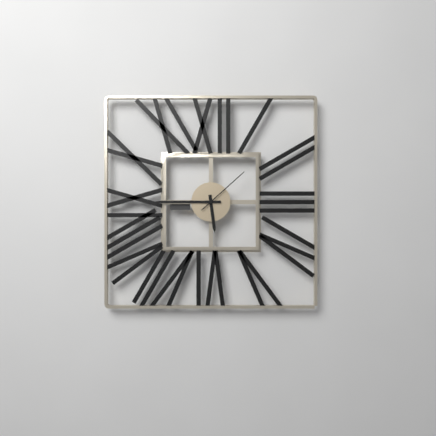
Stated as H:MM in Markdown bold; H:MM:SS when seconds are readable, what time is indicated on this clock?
**5:45:08**
